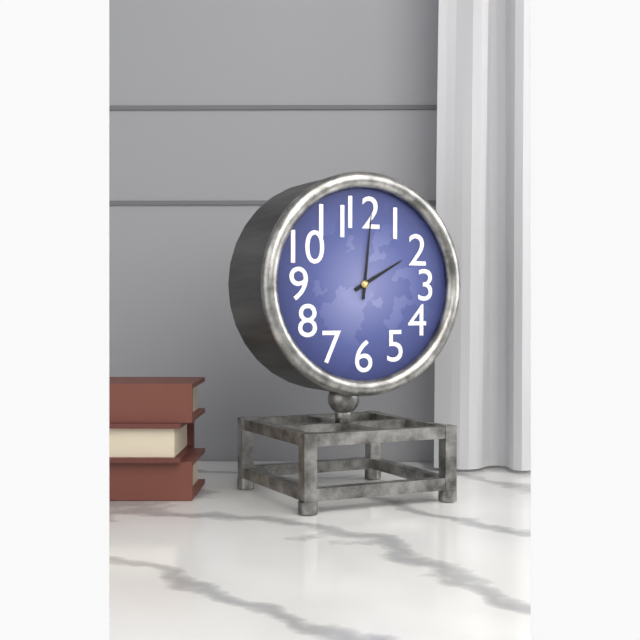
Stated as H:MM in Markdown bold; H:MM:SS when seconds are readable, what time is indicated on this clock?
**2:01**
